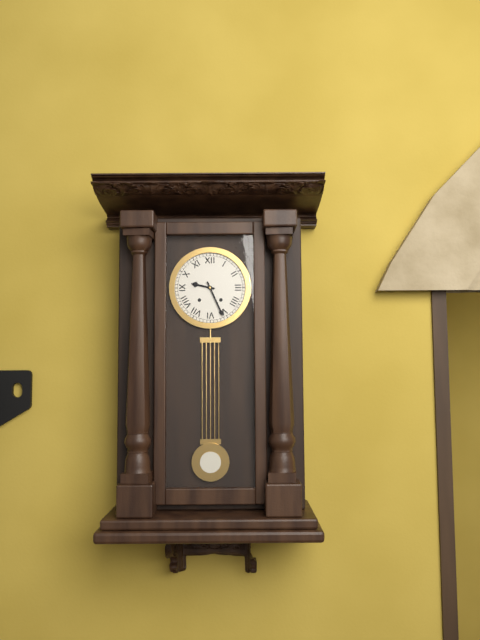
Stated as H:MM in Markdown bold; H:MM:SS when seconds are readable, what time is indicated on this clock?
**9:26**
